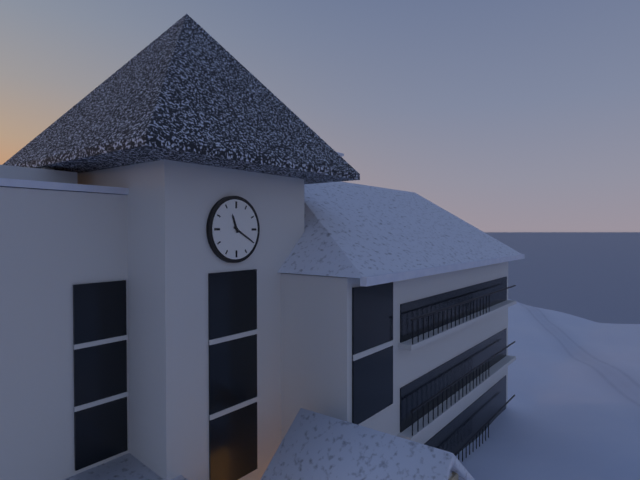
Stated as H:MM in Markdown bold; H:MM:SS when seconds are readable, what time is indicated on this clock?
**11:20**
